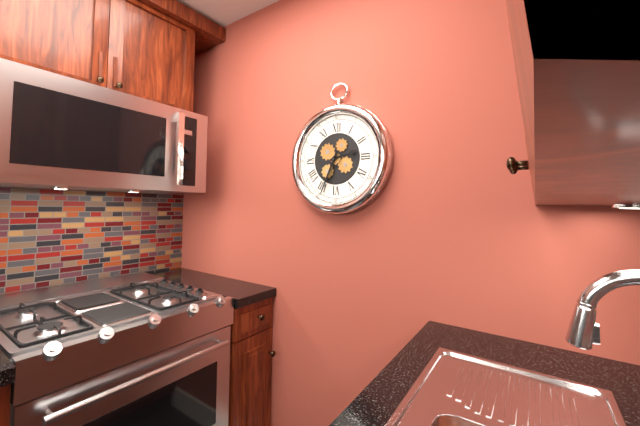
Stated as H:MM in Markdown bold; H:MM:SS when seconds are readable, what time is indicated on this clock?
**2:34**
